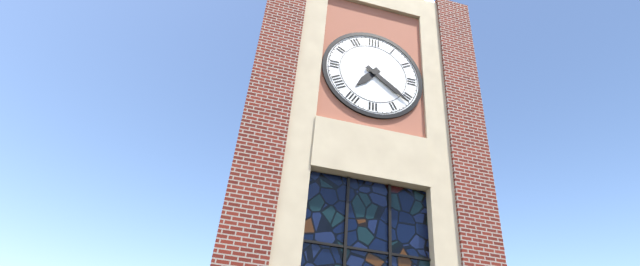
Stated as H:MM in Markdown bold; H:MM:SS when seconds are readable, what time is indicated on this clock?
**7:21**
